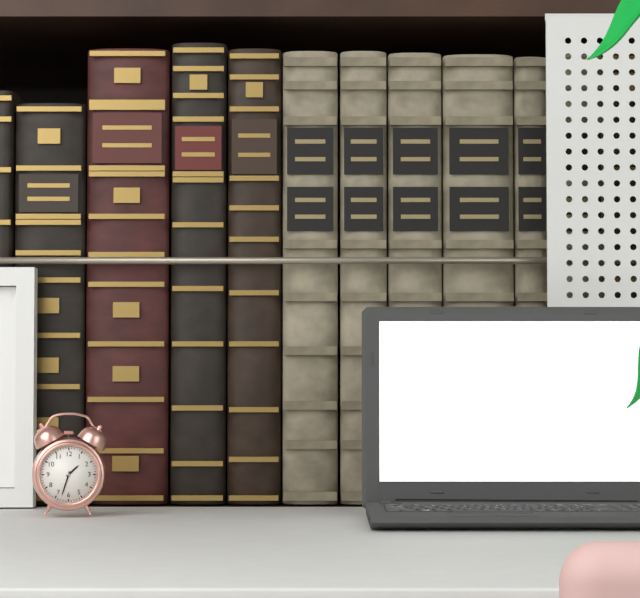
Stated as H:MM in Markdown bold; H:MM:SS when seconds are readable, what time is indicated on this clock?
**1:33**
